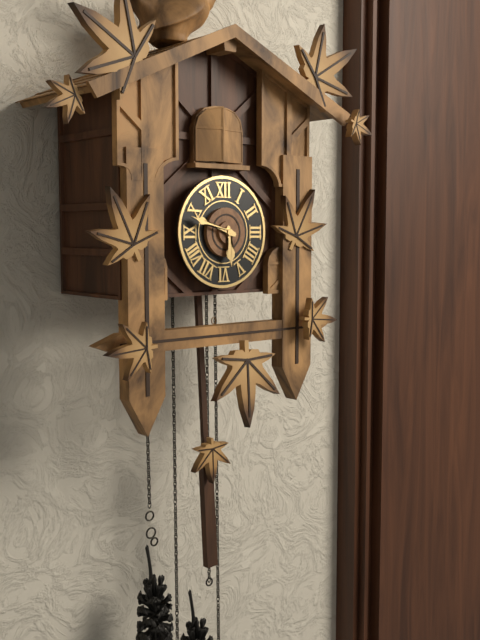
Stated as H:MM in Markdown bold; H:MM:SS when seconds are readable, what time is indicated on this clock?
**5:48**
